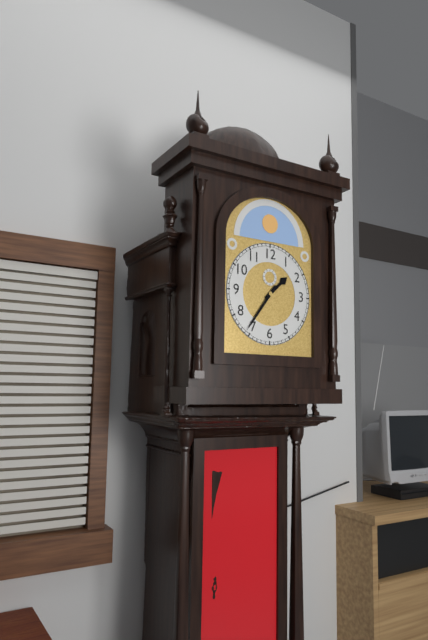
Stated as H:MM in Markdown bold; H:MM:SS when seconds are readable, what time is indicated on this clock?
**1:36**
